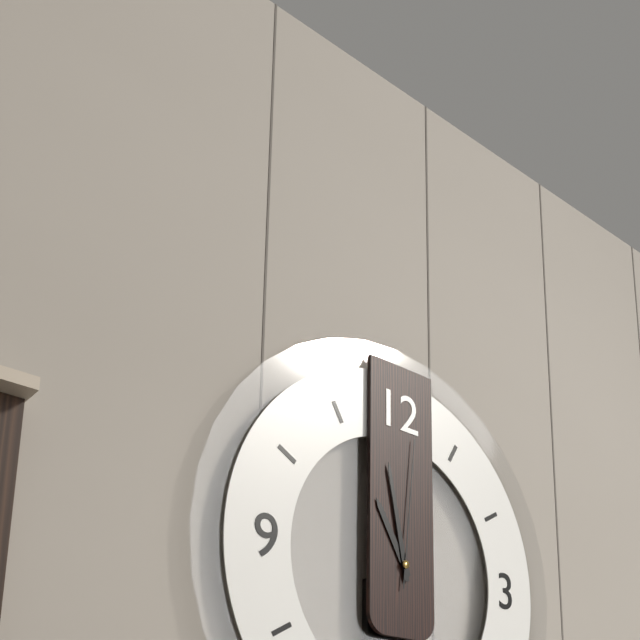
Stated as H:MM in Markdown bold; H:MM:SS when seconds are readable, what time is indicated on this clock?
**10:58:01**
